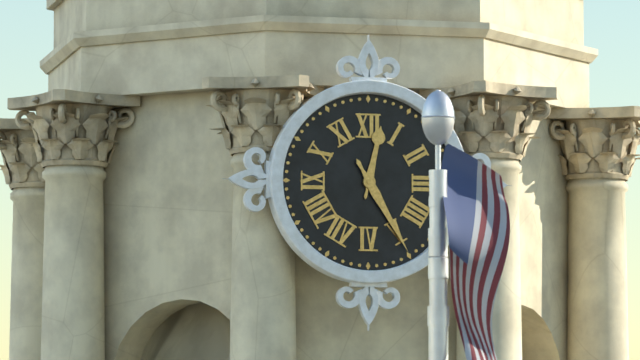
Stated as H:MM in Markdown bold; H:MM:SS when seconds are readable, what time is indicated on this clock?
**12:25**
